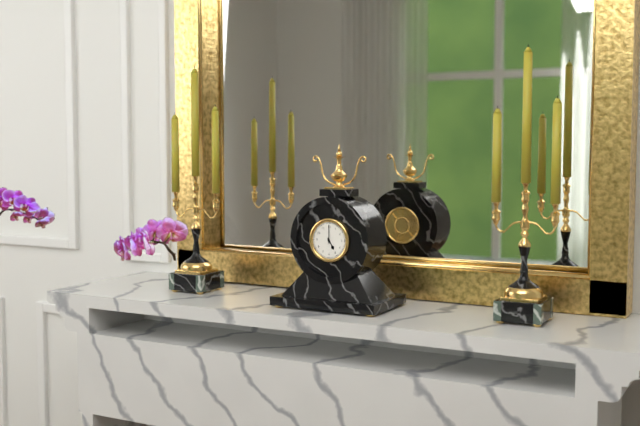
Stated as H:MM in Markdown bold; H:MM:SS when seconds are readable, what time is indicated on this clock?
**5:00**
